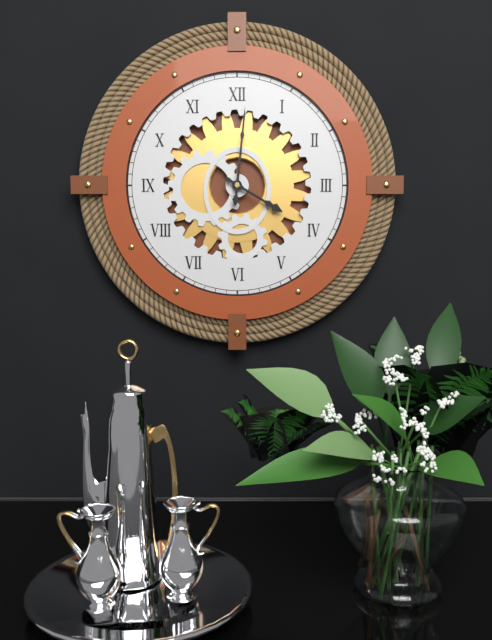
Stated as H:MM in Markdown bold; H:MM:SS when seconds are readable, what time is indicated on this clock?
**4:01**
